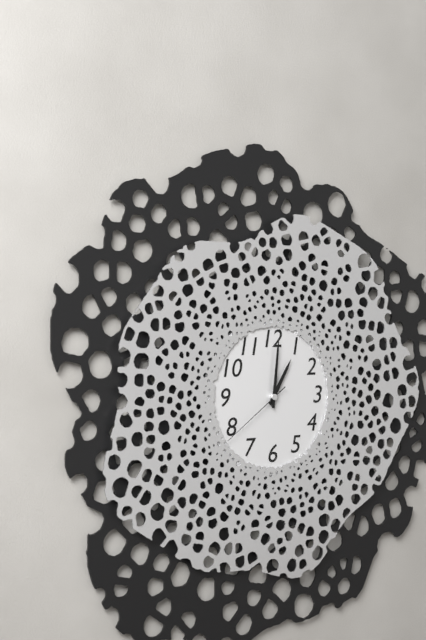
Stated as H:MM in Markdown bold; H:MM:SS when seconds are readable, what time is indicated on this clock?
**1:01:39**
